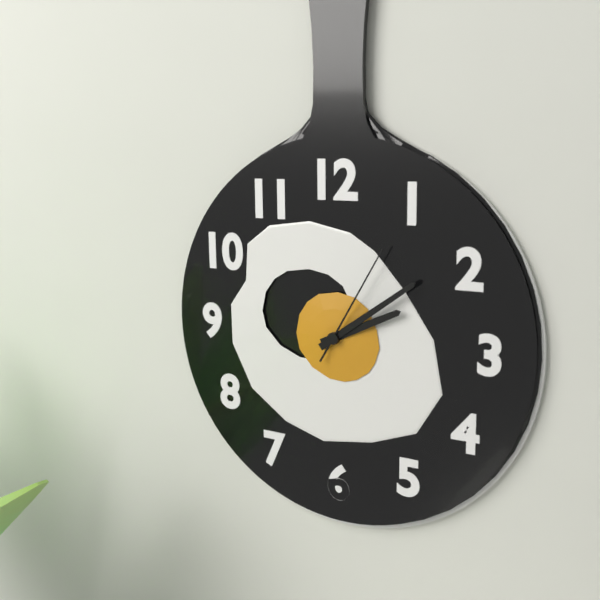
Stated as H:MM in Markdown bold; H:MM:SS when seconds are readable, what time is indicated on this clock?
**2:09:05**
